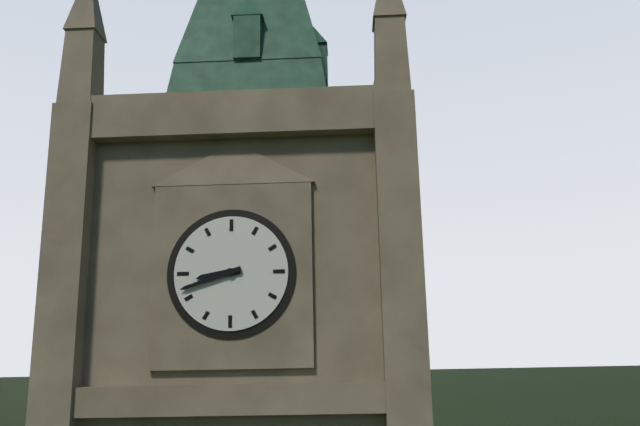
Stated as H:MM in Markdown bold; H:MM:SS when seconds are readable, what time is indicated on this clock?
**8:42**
